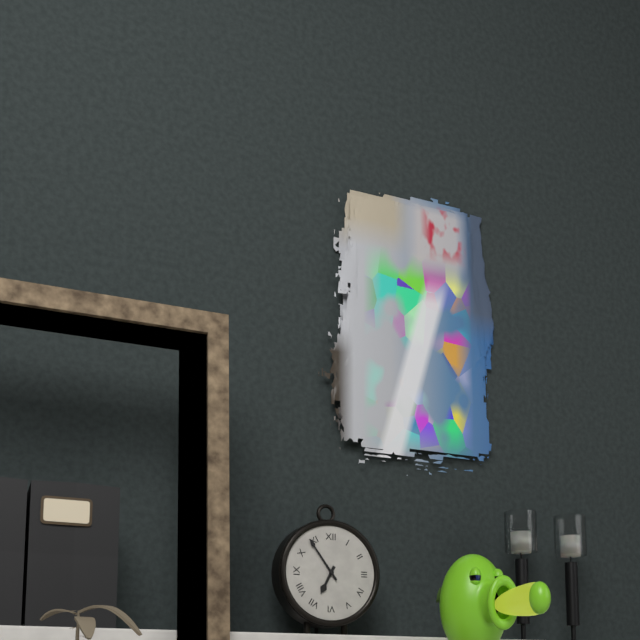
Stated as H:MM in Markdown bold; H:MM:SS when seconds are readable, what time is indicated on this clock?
**6:54**
